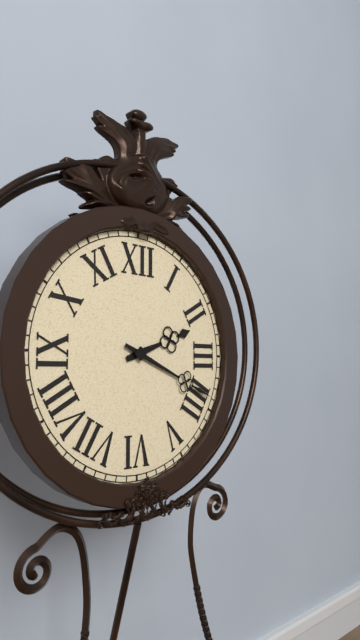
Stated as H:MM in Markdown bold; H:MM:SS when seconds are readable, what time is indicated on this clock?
**2:19**
